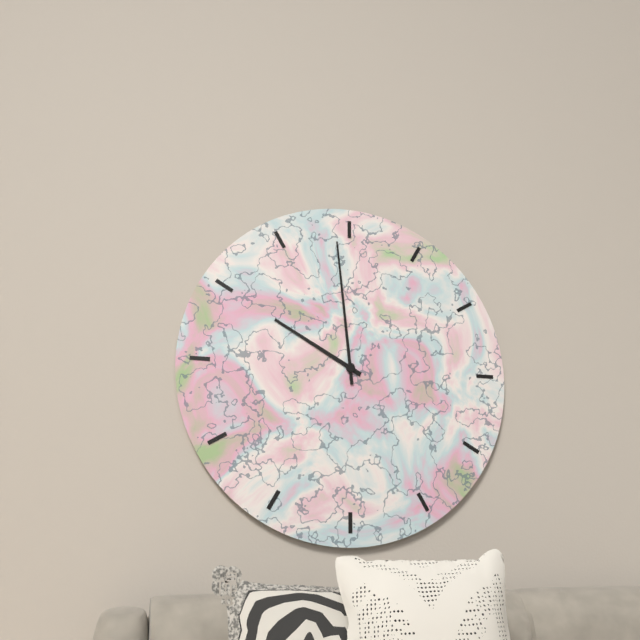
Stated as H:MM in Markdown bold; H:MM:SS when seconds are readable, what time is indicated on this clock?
**9:59**
